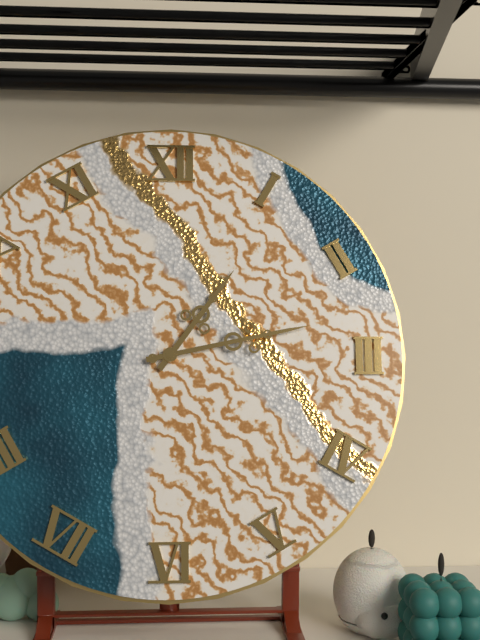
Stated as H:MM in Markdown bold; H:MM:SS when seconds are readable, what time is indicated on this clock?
**1:13**
